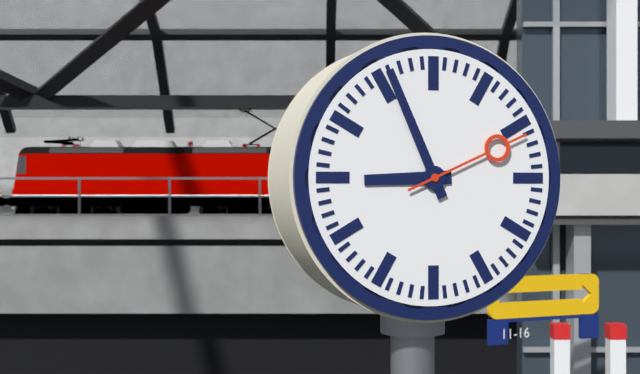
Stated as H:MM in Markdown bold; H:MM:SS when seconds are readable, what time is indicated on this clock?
**8:56:11**
